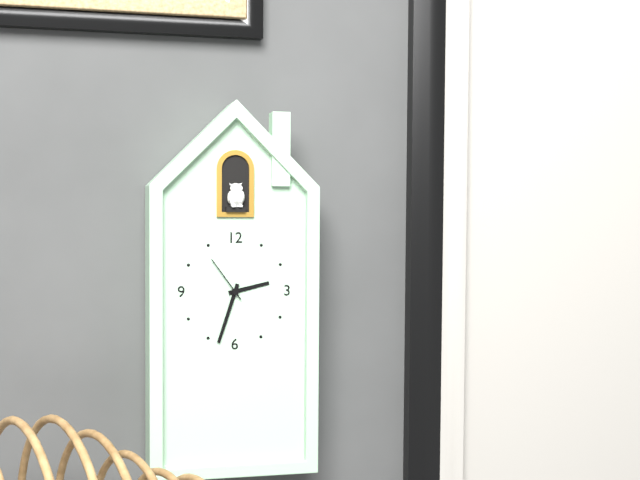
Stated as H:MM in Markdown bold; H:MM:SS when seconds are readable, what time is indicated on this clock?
**2:33:54**
